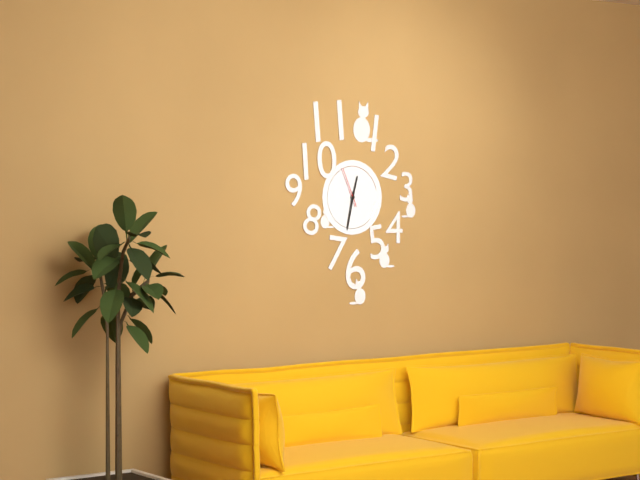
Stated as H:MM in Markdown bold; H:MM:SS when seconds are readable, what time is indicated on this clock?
**12:32**
